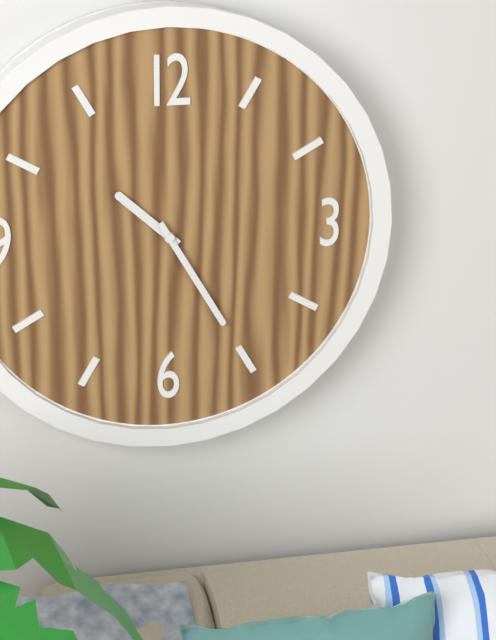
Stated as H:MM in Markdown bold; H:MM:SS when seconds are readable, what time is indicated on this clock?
**10:25**
